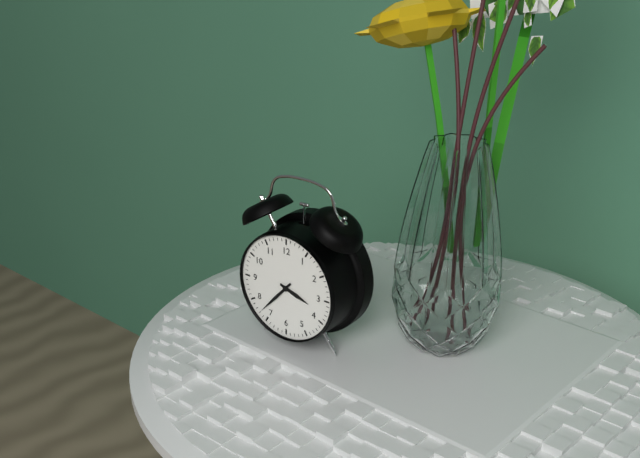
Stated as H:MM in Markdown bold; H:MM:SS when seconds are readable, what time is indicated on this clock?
**3:37**
